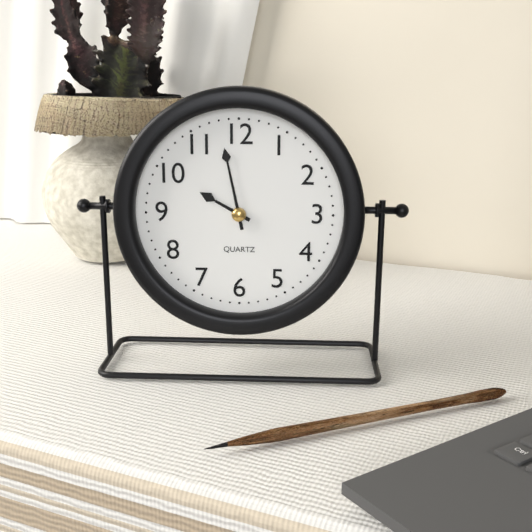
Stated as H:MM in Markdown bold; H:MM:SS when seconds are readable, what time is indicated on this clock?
**9:58**
